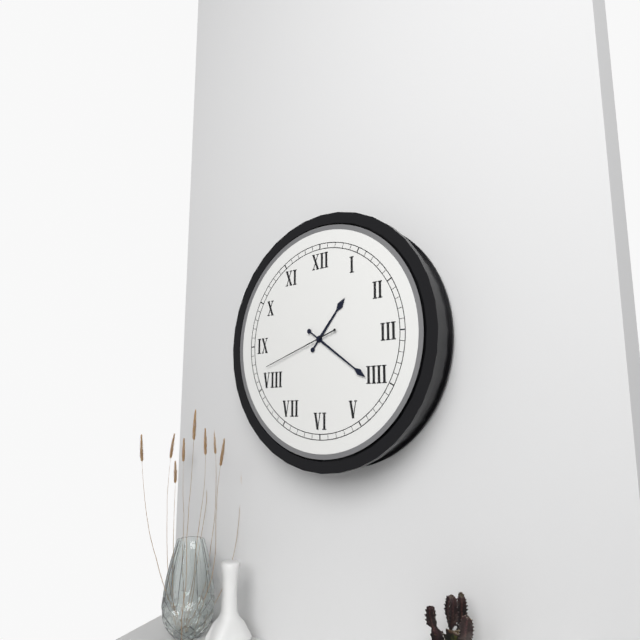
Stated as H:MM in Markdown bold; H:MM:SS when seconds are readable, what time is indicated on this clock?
**1:21:42**
